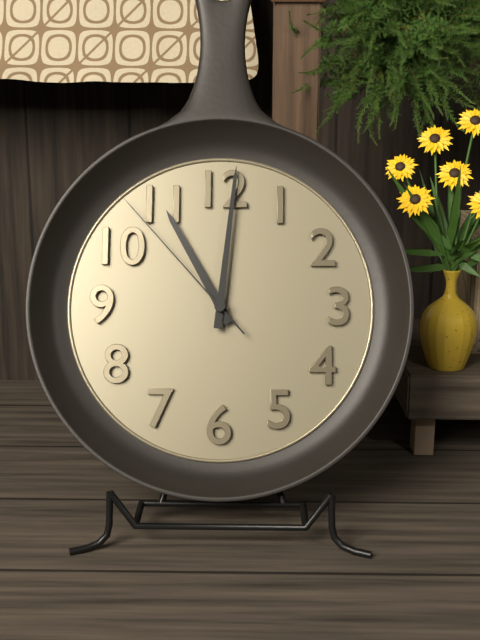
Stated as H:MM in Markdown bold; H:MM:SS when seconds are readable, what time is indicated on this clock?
**11:01:53**
